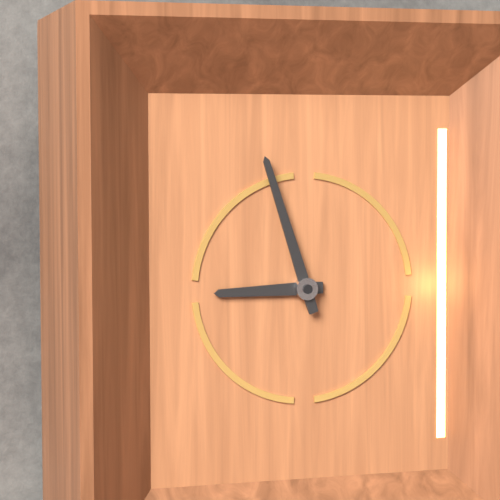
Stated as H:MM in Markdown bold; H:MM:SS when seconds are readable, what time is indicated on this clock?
**8:57**
